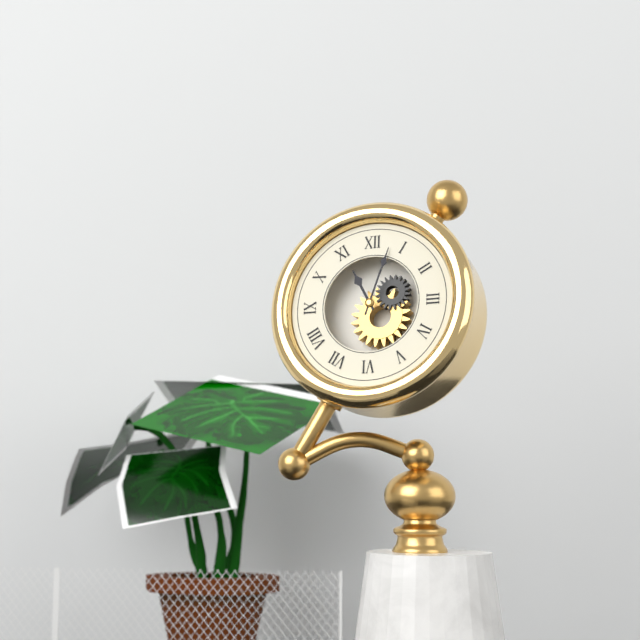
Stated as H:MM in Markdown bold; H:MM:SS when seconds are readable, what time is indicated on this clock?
**11:03**
